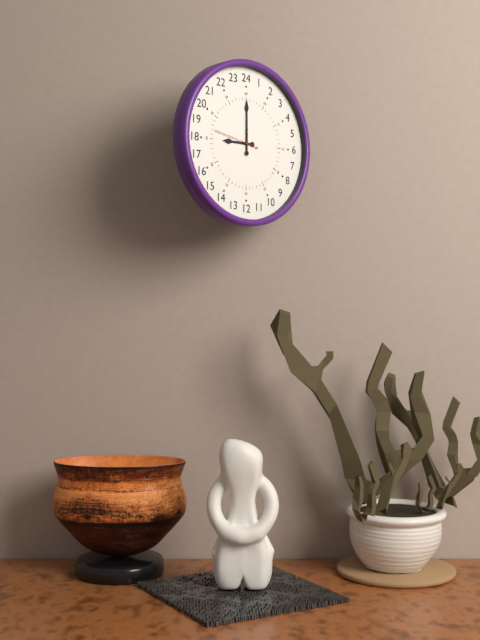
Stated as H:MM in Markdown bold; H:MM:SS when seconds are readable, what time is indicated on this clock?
**9:00**
